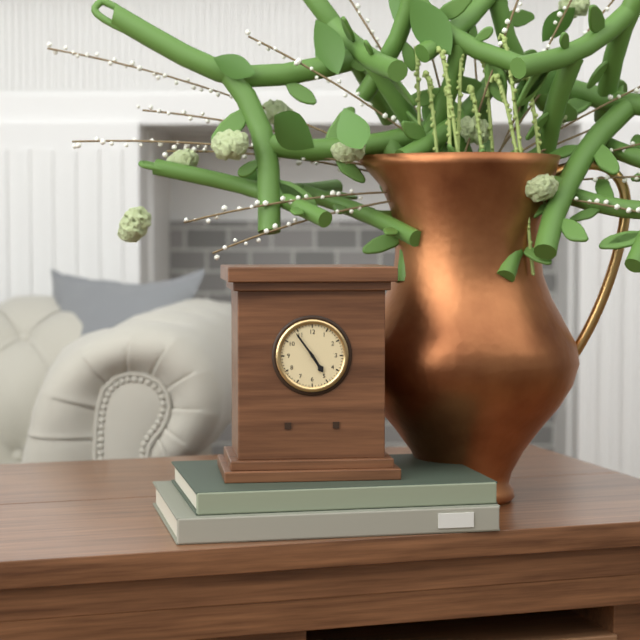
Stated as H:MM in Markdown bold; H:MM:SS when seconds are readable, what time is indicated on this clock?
**4:54**
